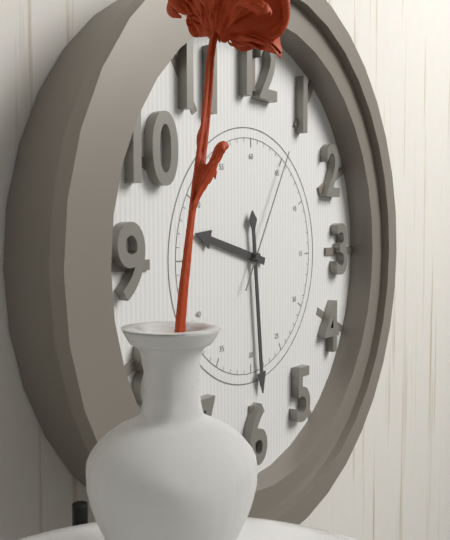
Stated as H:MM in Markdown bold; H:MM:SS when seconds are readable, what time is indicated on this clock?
**9:29:05**
